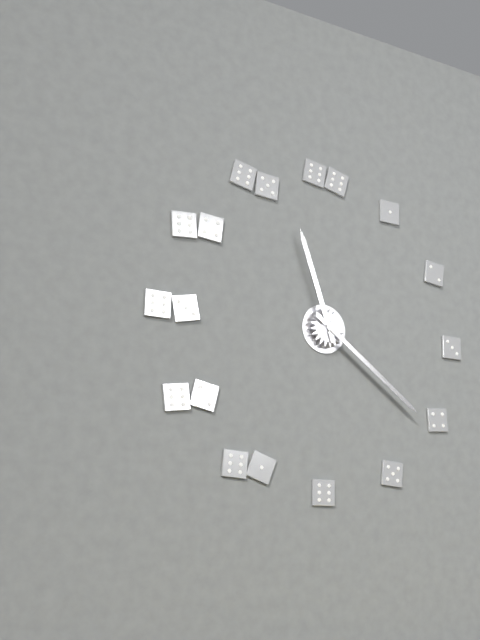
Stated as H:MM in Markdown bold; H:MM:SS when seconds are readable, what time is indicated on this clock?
**11:21**
